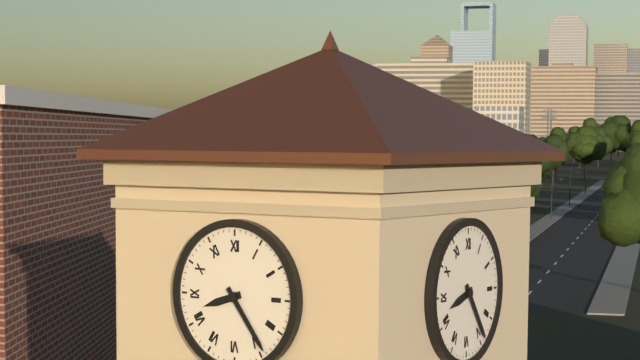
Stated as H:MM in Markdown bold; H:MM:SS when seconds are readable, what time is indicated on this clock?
**8:24**
